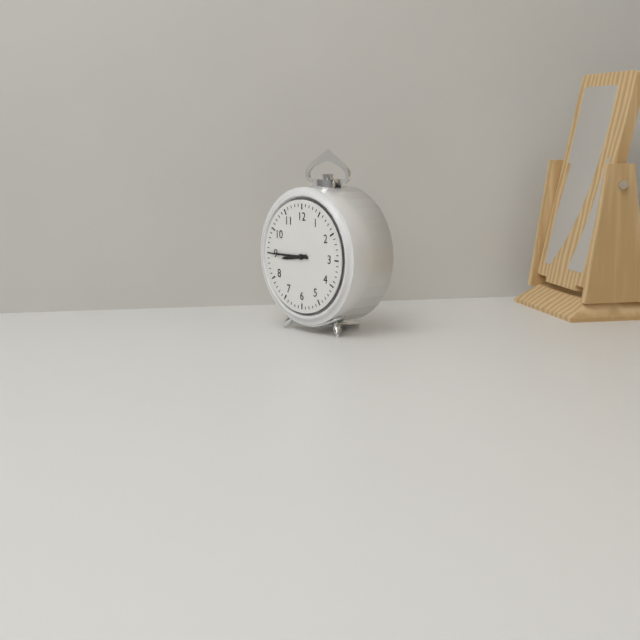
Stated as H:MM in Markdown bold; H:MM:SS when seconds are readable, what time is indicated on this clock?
**8:45**
